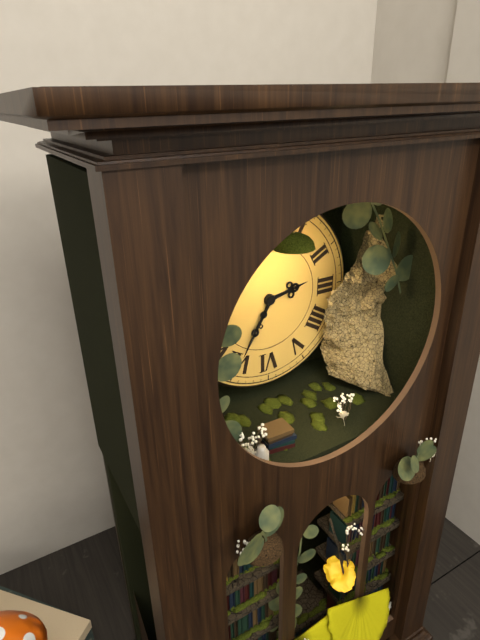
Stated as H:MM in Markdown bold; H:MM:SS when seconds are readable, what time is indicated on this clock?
**2:35**
